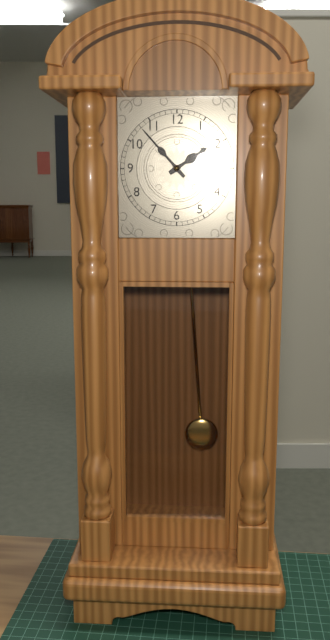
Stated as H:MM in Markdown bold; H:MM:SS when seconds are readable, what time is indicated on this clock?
**1:53**
